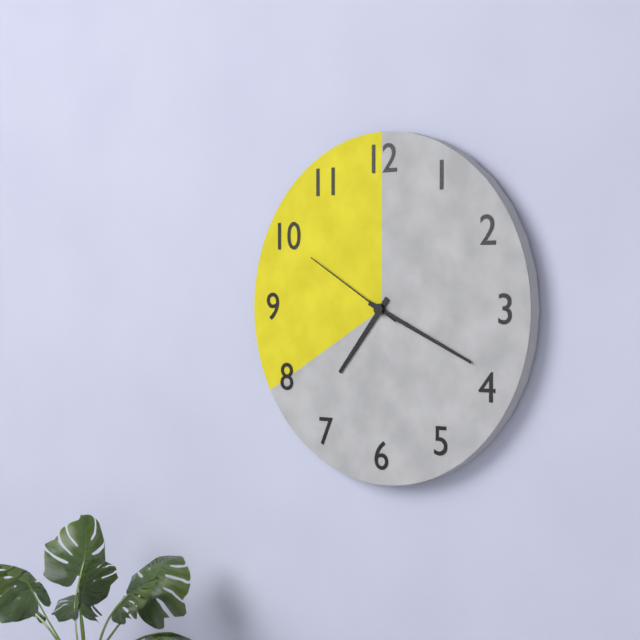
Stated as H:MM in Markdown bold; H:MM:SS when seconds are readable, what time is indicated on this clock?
**7:19:50**
